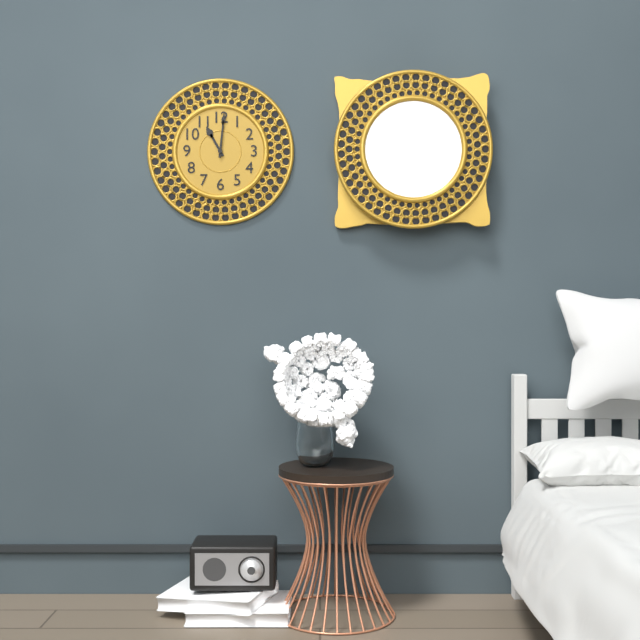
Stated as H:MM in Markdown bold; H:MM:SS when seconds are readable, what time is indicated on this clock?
**11:01**
